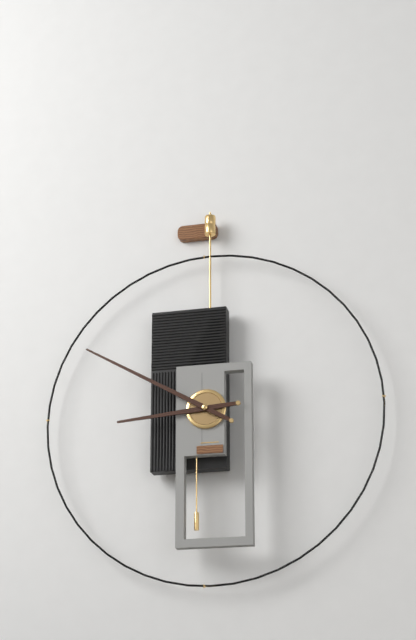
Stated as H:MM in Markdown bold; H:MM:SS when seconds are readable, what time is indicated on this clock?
**8:50**
